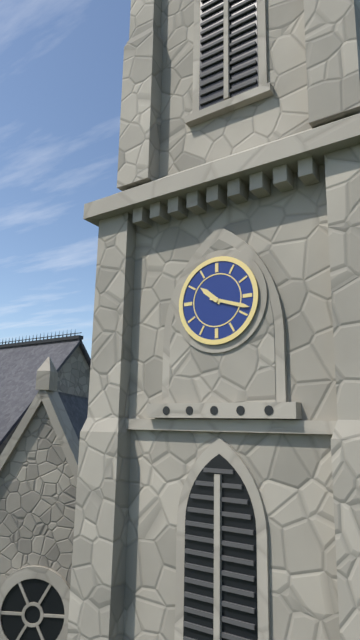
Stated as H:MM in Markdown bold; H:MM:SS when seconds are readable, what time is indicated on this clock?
**10:18**
